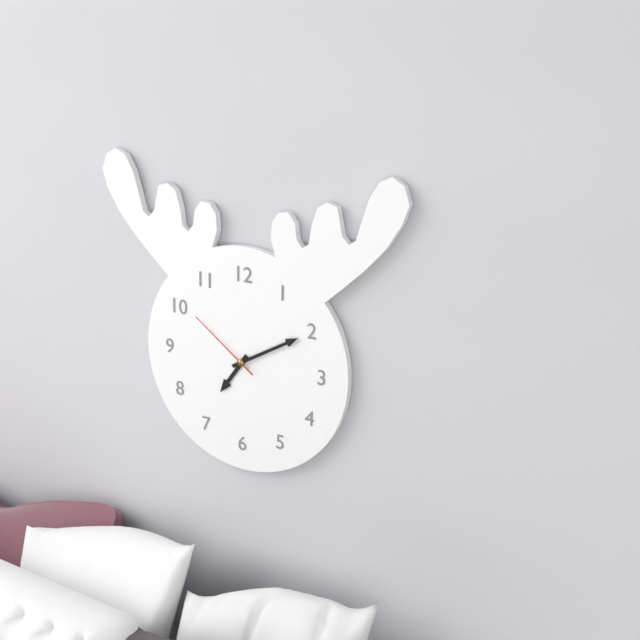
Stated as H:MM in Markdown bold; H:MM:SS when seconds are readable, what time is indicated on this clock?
**7:10:51**
